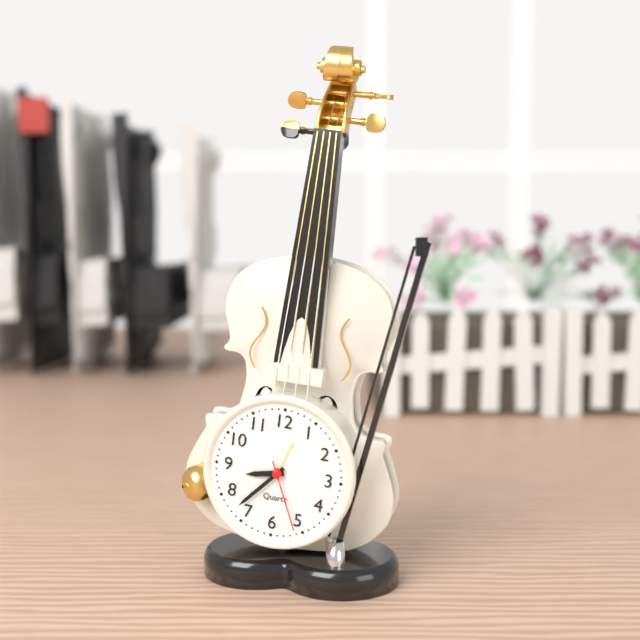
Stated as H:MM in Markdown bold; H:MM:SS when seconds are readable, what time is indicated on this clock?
**8:37:26**
